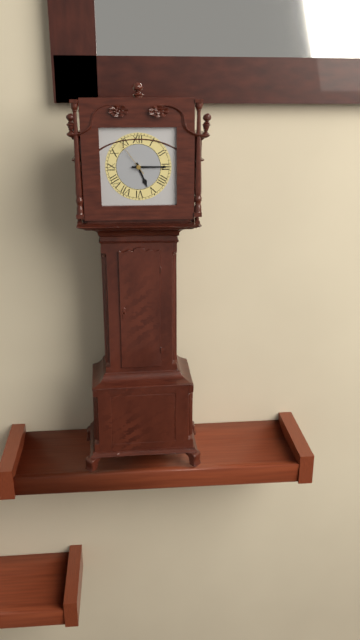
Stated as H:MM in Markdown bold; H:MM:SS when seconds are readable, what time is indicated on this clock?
**5:15**
